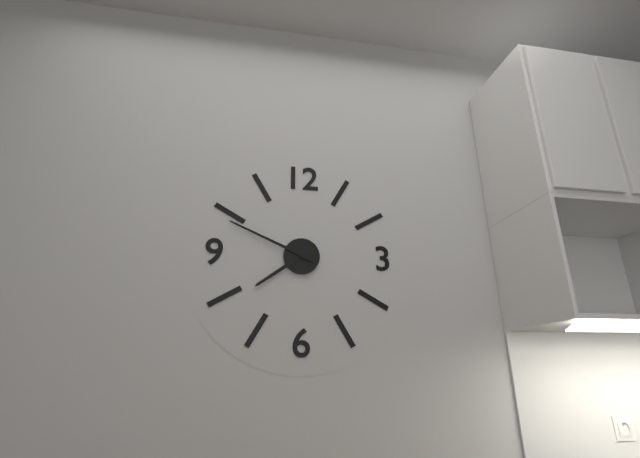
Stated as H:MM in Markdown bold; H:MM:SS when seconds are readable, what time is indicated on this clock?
**7:49**
